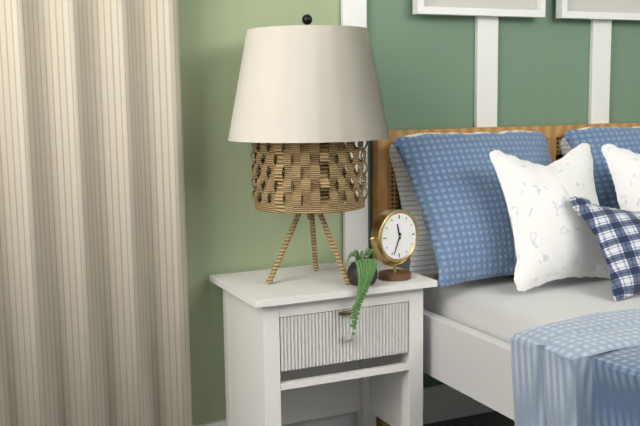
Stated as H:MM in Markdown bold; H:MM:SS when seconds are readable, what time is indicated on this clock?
**11:34**
